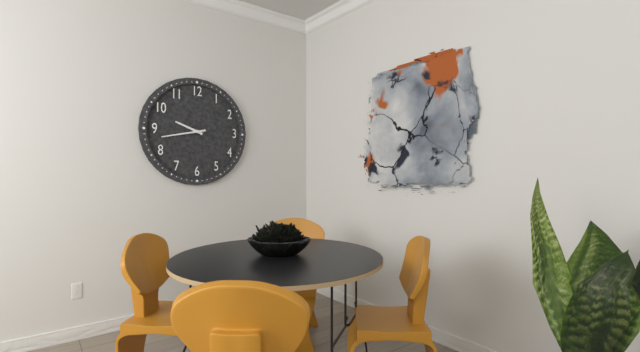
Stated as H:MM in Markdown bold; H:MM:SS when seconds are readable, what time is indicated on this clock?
**9:43**
